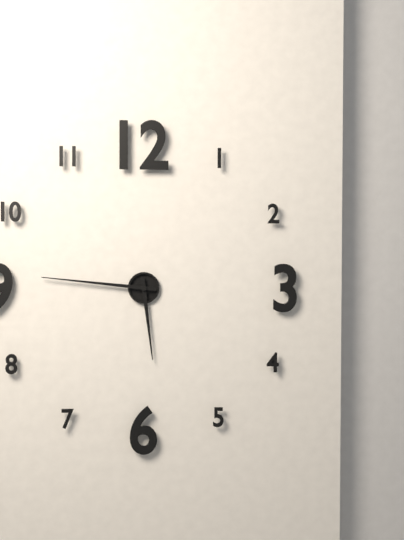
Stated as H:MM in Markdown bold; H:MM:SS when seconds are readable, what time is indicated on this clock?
**5:46**
